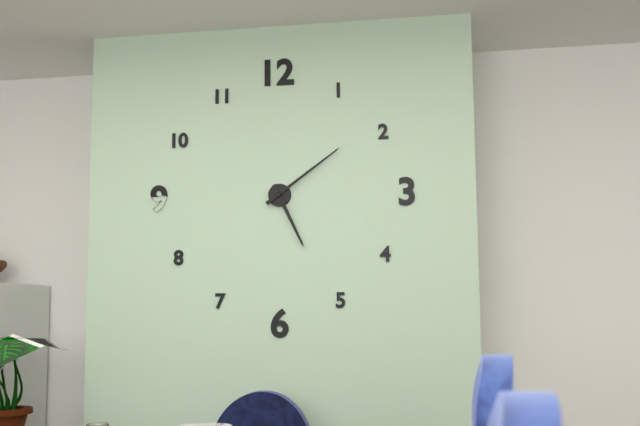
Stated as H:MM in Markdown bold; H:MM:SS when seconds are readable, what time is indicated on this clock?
**5:09**
